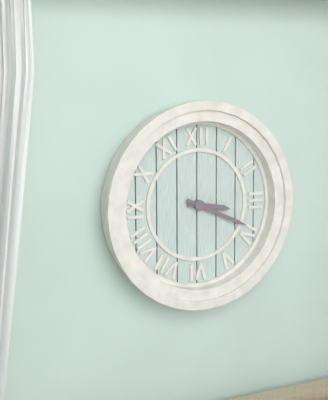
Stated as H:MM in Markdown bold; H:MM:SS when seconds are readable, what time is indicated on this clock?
**3:19**
